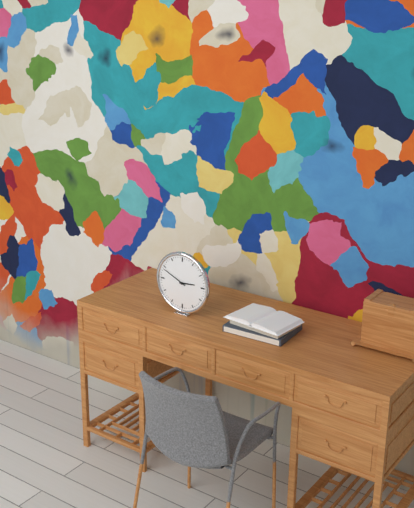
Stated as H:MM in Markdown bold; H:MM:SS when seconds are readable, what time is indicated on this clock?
**2:49**
